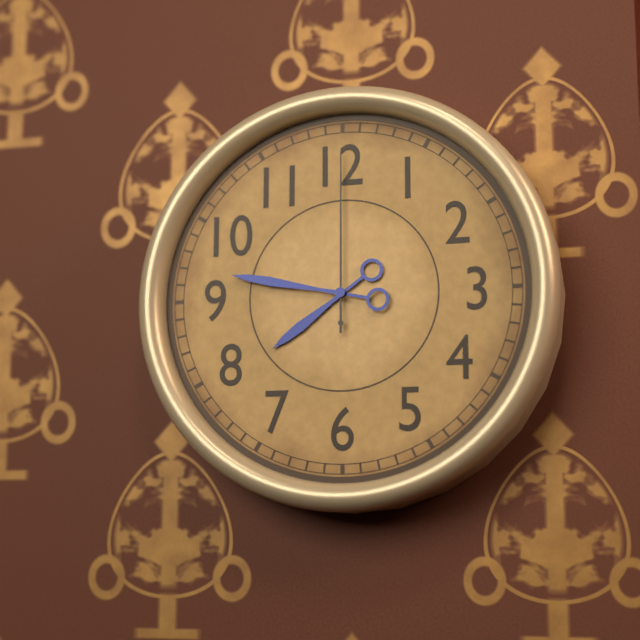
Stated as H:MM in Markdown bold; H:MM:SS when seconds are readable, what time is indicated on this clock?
**7:47:00**
